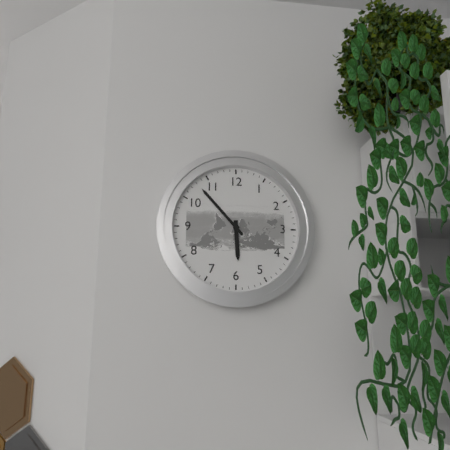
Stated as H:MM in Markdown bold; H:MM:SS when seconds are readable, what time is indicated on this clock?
**5:53**
